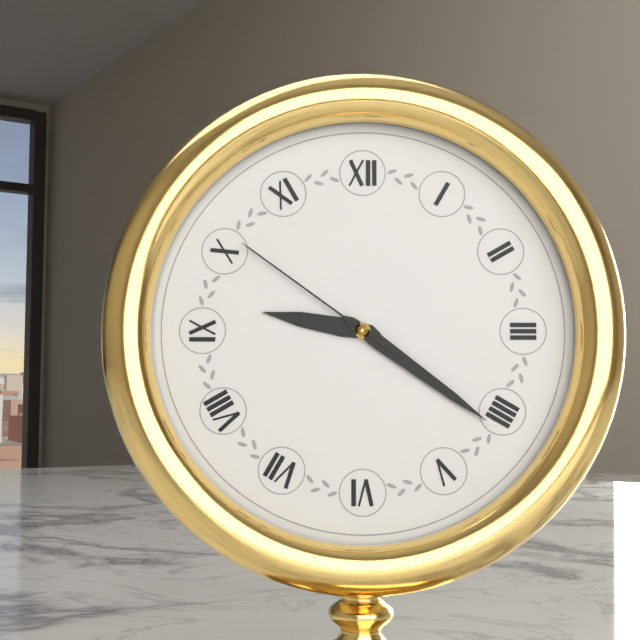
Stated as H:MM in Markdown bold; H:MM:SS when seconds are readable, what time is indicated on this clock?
**9:21:51**
